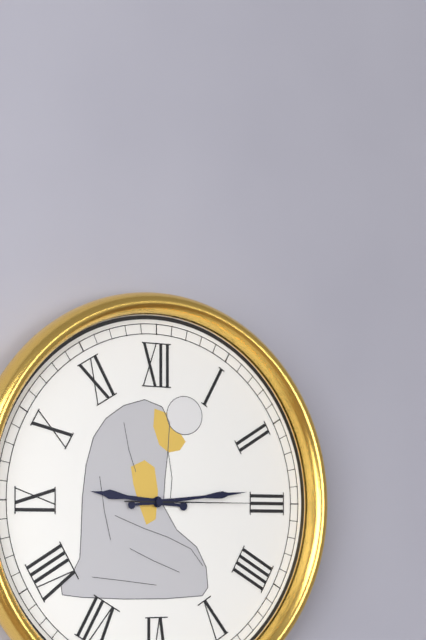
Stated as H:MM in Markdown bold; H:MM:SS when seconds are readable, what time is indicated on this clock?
**9:14:15**
